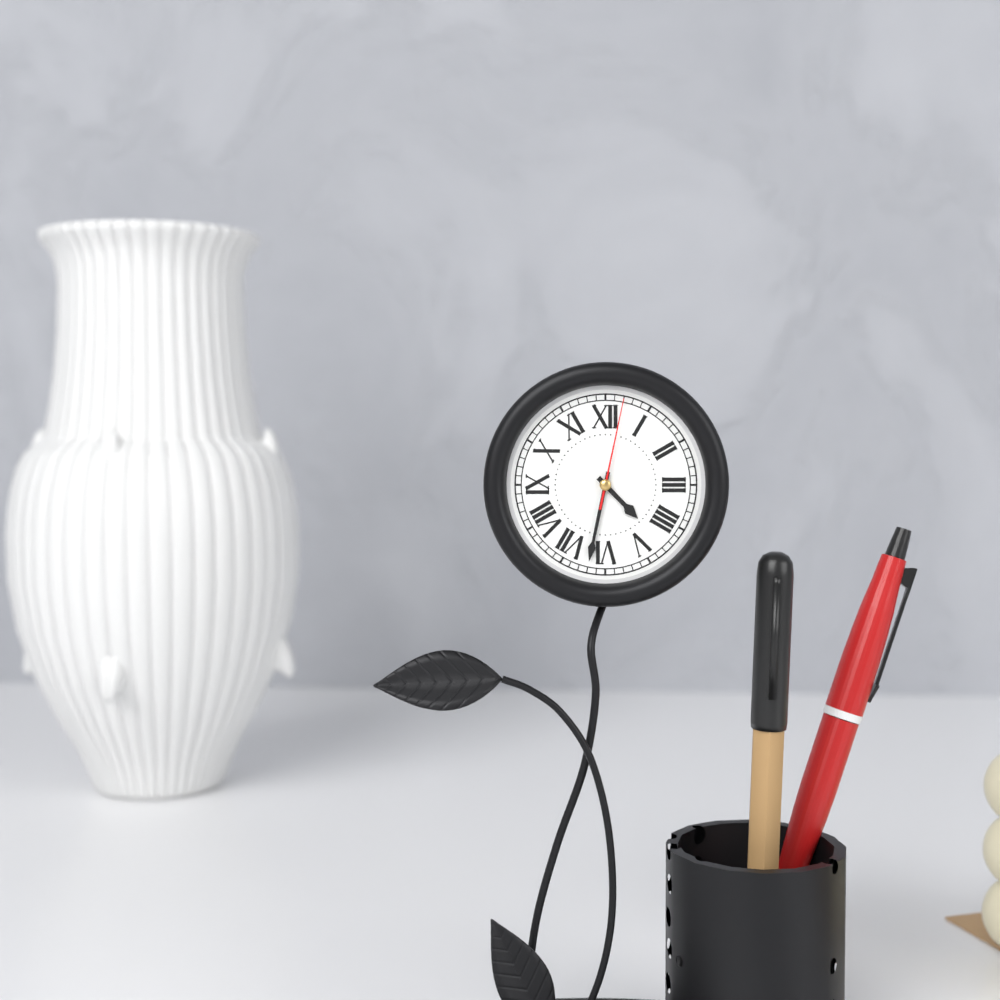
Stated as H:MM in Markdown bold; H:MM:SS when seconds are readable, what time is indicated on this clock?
**4:32:02**
